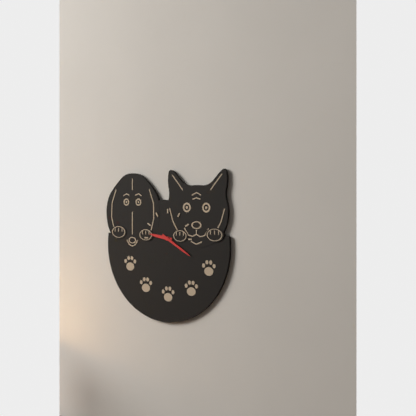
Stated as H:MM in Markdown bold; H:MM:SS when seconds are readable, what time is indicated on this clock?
**9:20**
